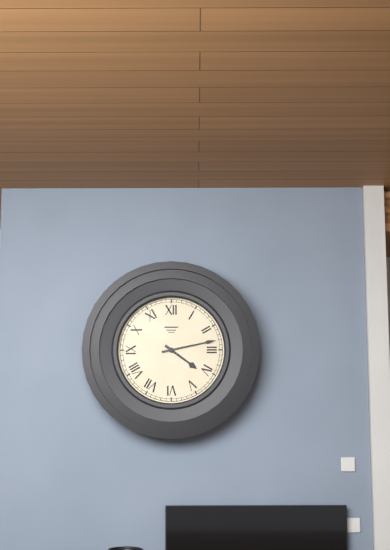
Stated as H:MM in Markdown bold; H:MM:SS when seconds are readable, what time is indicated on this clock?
**4:13**
